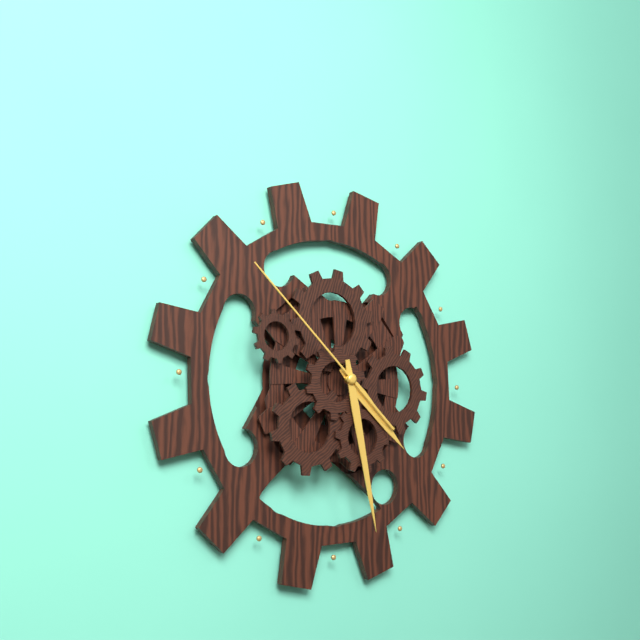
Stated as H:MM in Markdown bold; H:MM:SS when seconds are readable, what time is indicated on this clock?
**4:28:52**
